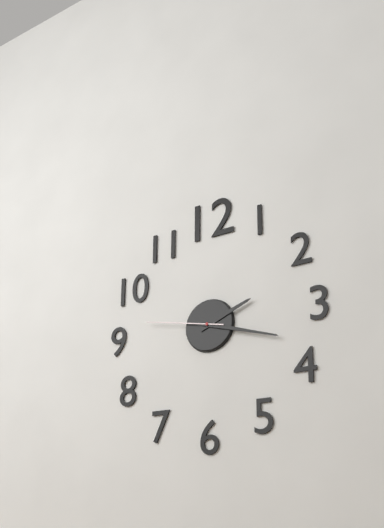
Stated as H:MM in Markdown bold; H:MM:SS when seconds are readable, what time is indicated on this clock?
**2:18:47**
